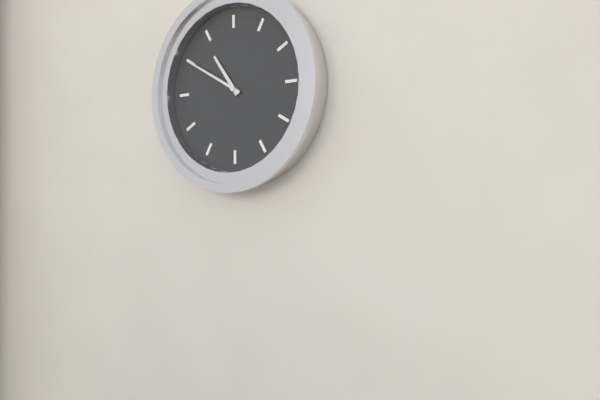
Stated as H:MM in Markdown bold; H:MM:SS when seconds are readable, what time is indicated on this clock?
**10:50**
